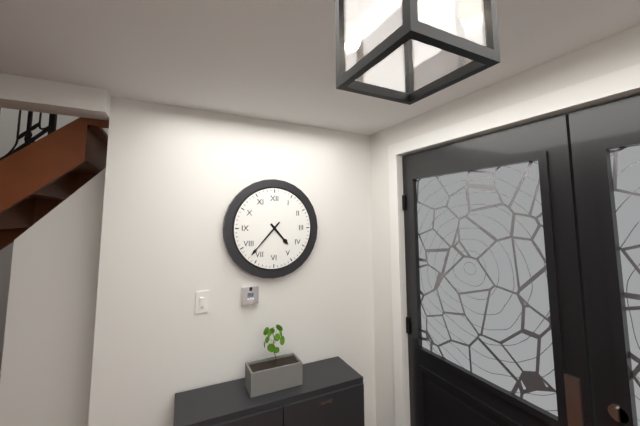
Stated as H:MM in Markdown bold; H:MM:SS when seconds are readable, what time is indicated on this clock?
**4:37**
